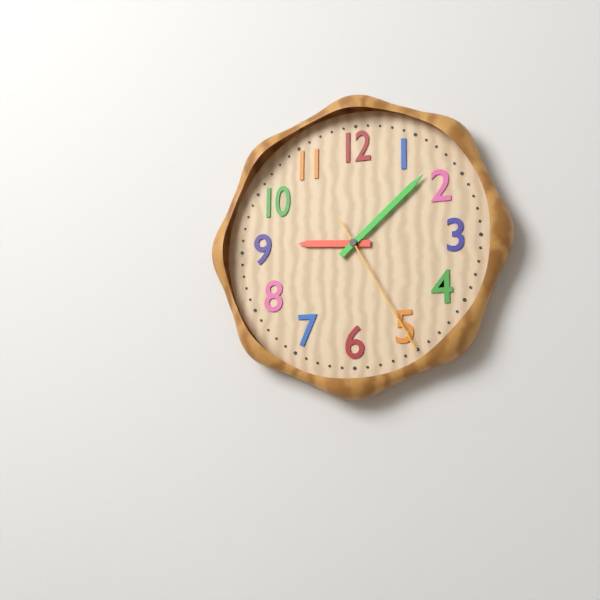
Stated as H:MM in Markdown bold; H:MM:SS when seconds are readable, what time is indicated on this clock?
**9:08:25**
